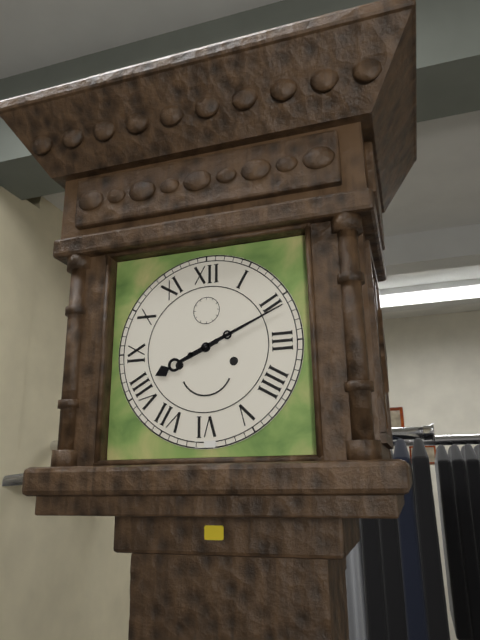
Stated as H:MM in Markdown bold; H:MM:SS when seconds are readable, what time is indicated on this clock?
**8:11**
